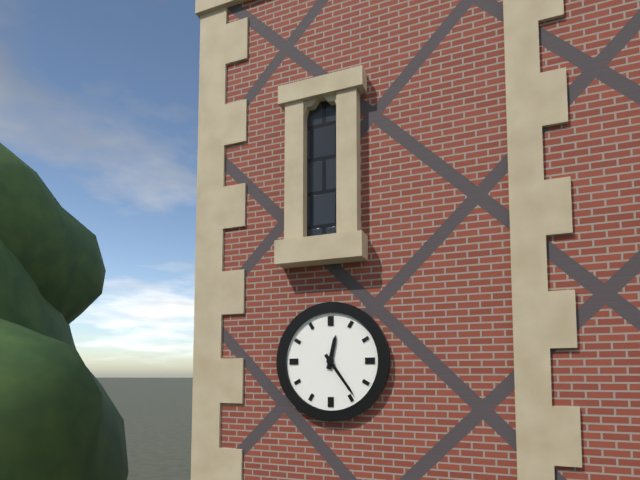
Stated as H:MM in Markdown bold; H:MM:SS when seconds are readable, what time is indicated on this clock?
**12:24**
